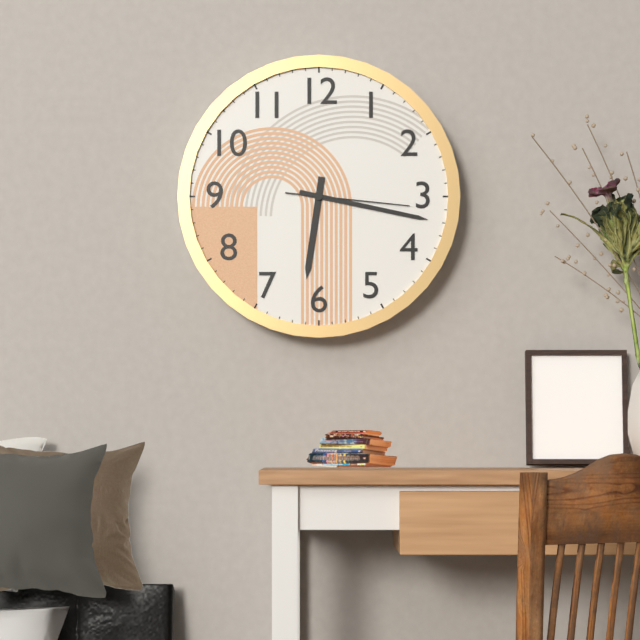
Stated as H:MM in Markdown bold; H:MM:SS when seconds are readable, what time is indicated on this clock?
**6:17:16**
